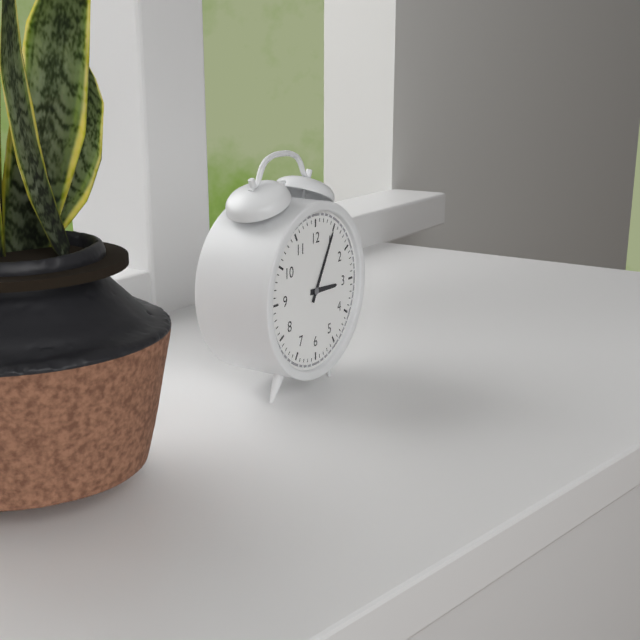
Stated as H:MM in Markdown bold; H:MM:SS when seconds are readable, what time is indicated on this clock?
**3:05**
